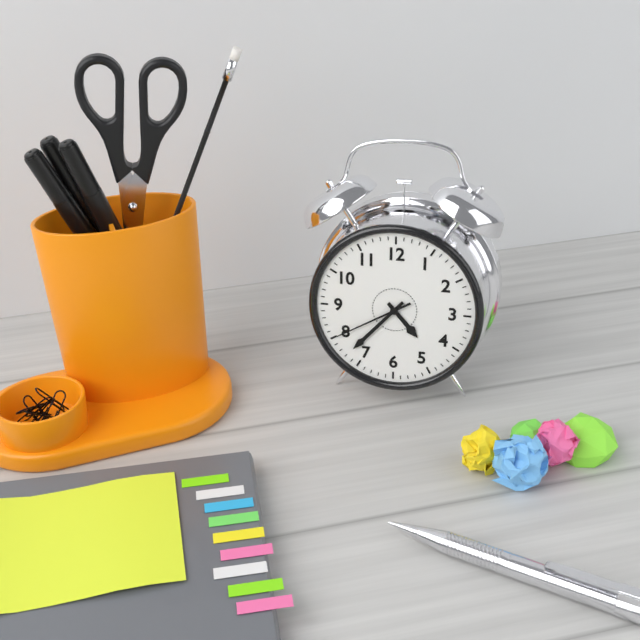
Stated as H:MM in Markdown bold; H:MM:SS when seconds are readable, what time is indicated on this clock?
**4:37:40**
